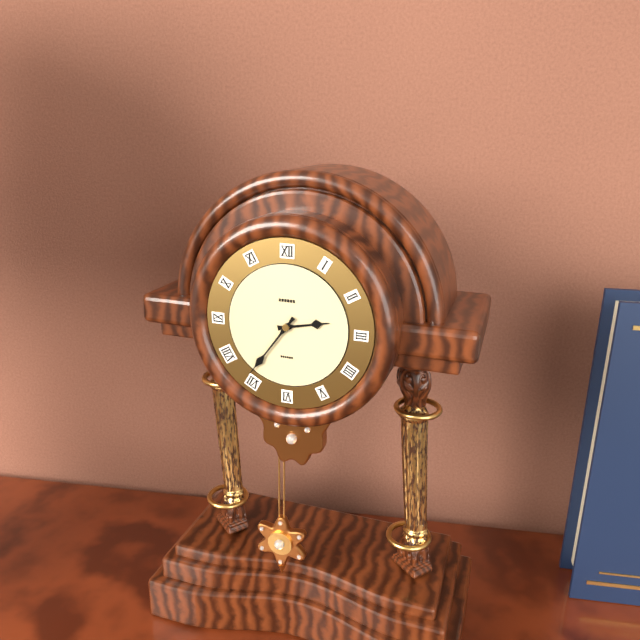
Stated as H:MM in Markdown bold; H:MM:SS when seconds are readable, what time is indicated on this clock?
**2:36**
